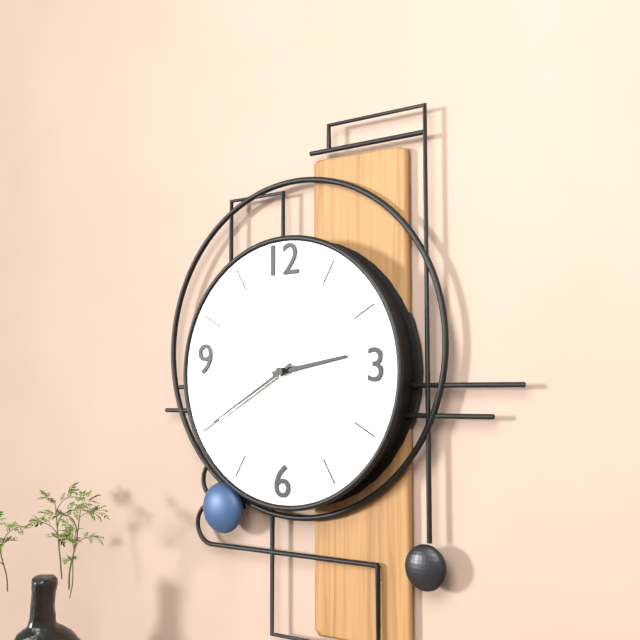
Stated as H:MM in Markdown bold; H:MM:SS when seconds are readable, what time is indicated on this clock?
**2:40:00**
